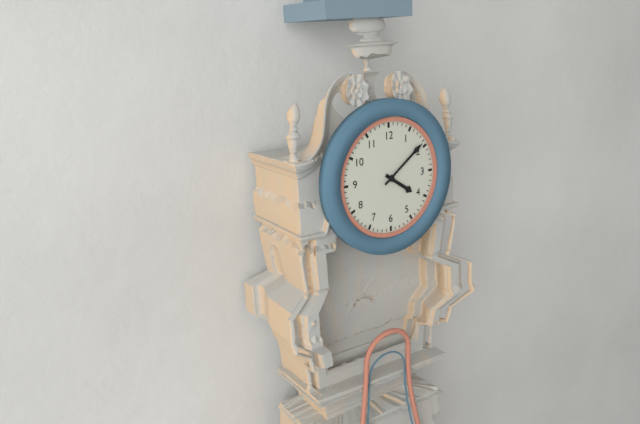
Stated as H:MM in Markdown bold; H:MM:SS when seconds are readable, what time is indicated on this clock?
**4:09**
